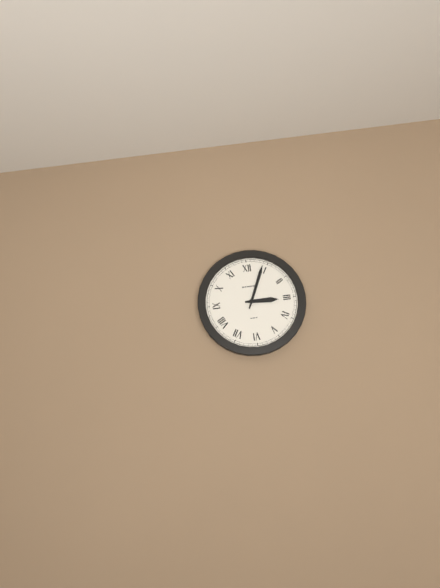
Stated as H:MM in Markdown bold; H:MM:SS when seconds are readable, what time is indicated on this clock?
**3:04**
